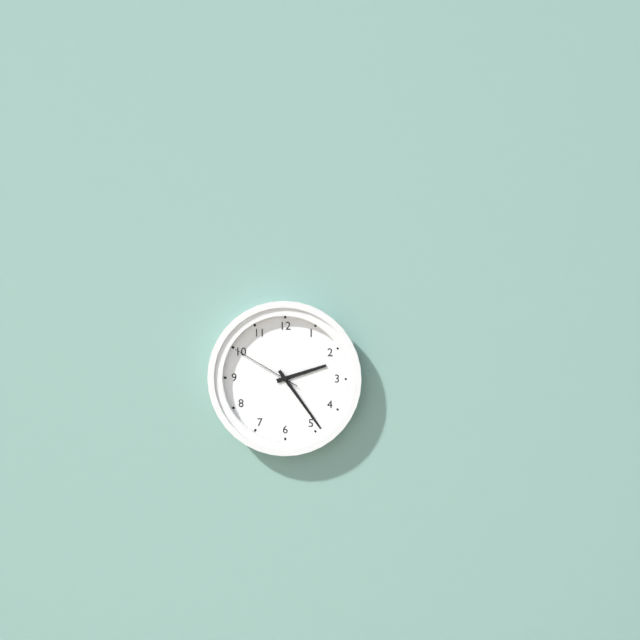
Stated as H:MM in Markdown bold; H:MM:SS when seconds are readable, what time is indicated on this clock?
**2:24:50**
